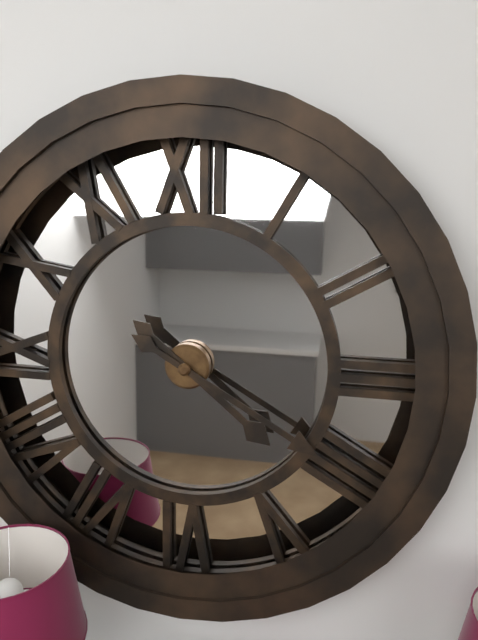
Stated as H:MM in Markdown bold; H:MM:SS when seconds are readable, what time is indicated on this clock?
**4:20**
